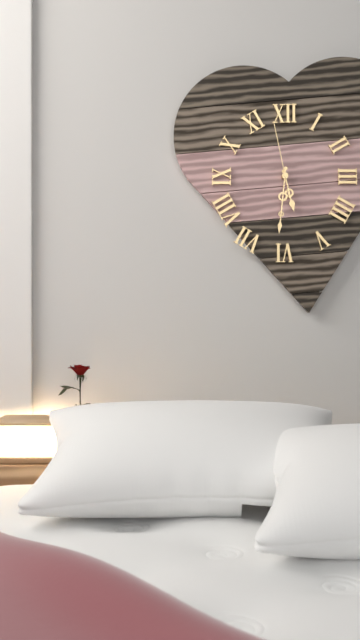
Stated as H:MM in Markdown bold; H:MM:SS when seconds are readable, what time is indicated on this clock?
**5:31:58**
